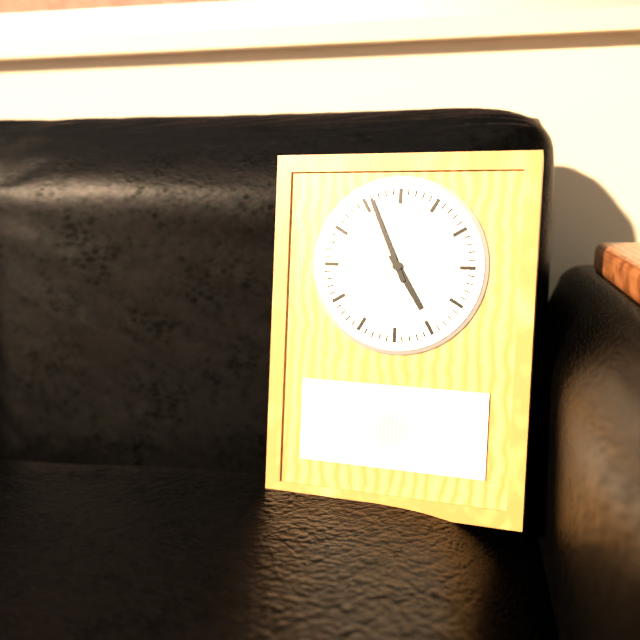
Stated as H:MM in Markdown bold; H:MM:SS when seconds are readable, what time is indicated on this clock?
**4:56**
